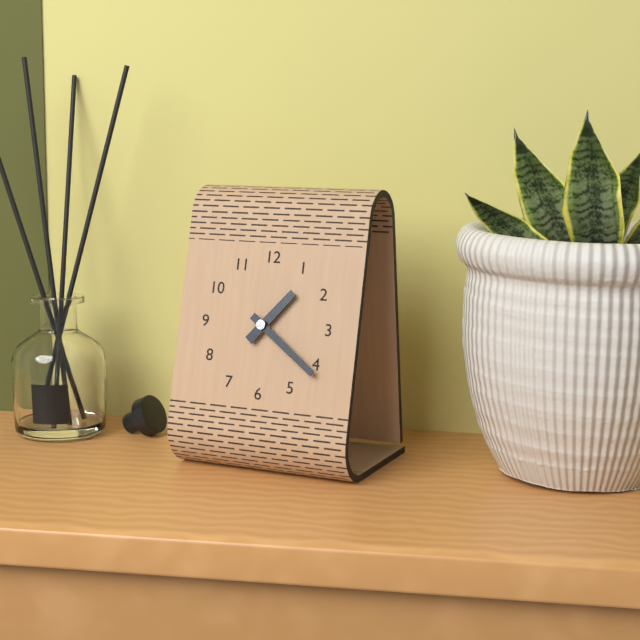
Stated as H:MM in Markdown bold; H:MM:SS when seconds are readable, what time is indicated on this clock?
**1:21**
